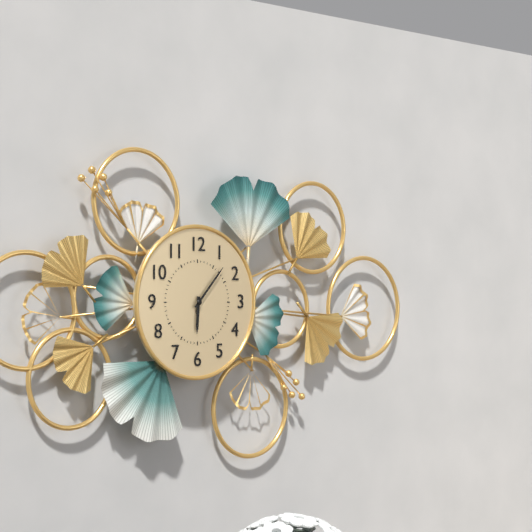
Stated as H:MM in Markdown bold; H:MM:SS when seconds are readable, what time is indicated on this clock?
**6:07**
